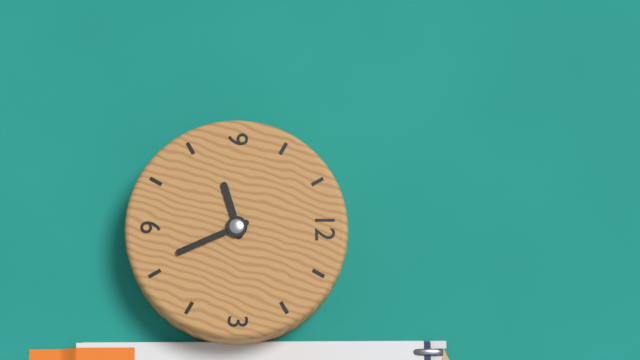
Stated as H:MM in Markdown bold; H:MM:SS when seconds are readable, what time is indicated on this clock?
**8:26**
